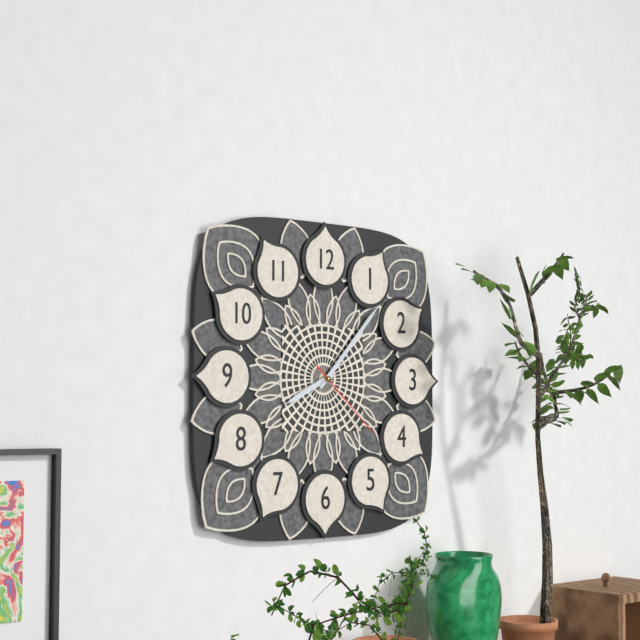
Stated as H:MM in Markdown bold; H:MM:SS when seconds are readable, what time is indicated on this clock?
**8:07:22**
